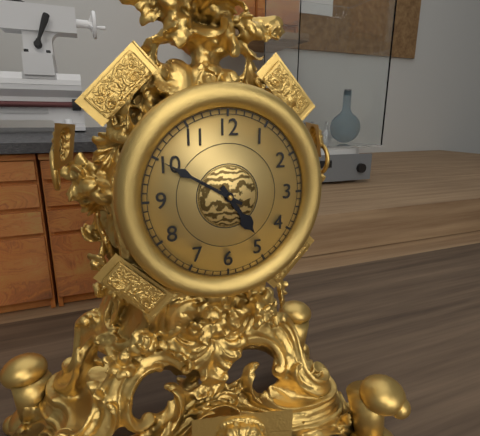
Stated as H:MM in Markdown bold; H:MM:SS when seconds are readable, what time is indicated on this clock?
**4:50**
